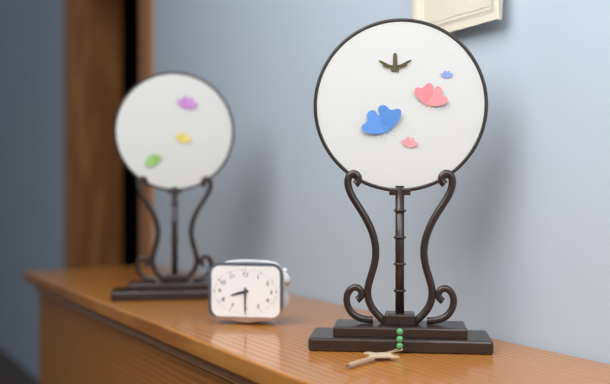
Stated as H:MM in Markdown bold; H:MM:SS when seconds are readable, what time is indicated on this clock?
**8:30**
